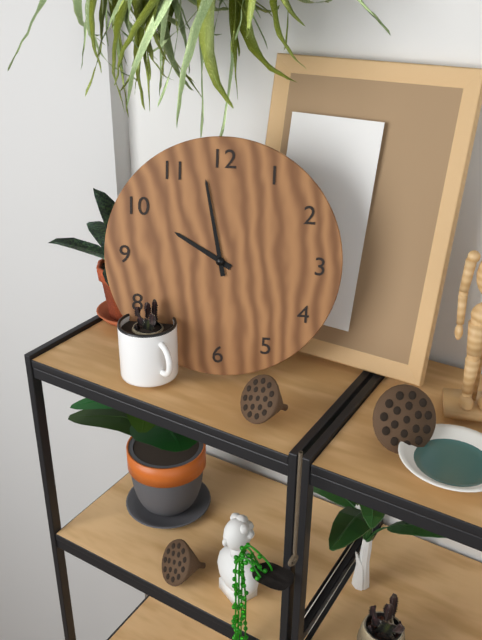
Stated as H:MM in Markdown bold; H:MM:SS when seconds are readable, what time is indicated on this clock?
**9:58**
